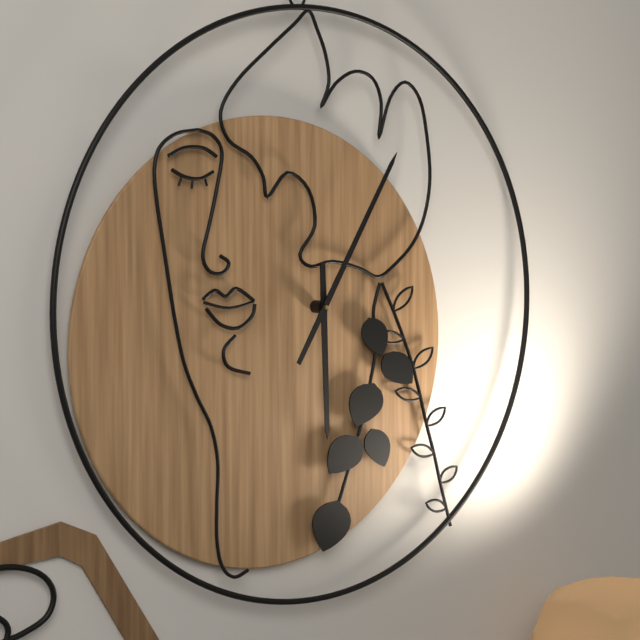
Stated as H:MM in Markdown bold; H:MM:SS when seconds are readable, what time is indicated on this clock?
**6:06**
